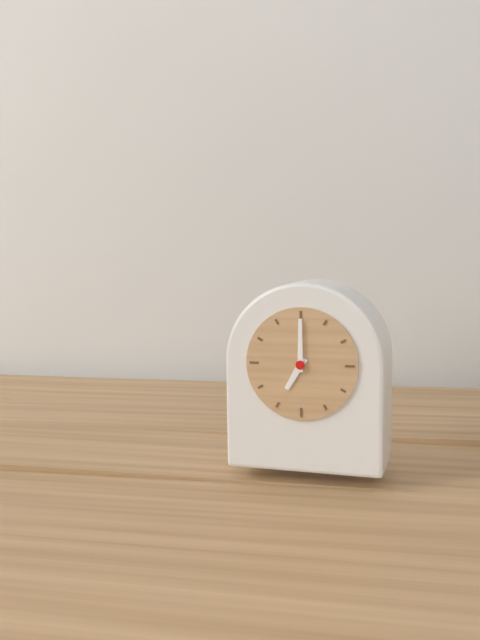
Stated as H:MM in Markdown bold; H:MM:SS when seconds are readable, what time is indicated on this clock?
**7:00**
